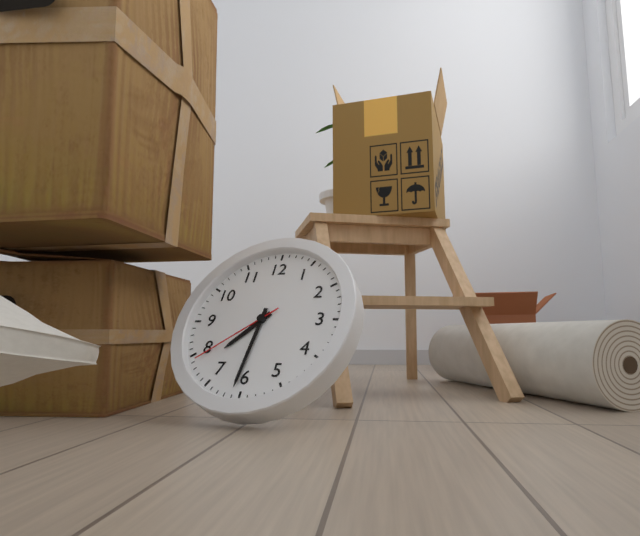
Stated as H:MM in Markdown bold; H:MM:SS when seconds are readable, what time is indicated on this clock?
**7:31:39**
